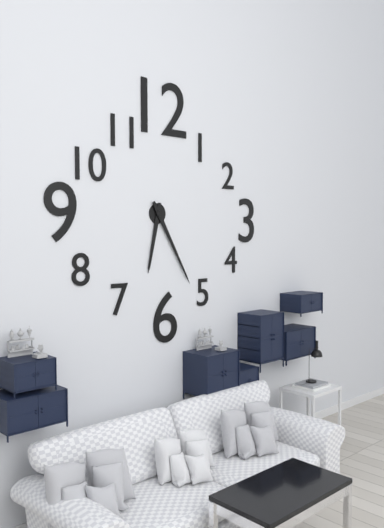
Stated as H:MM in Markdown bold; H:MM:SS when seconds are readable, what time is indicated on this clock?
**6:25**
